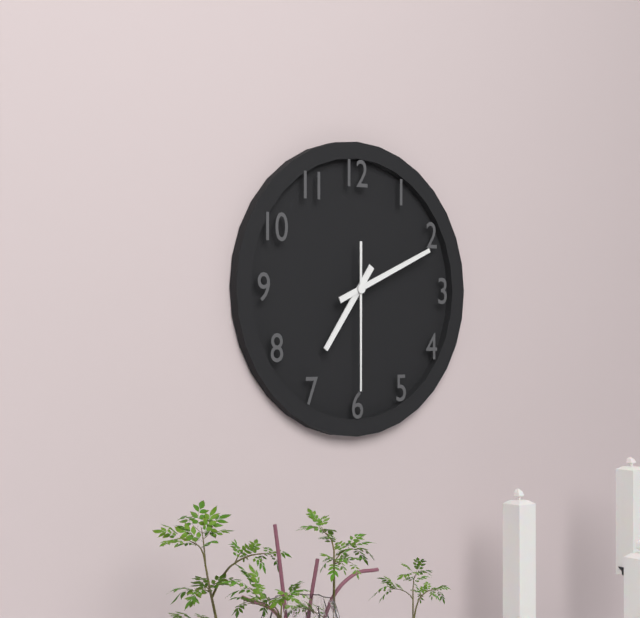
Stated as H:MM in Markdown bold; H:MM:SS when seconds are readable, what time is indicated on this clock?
**7:11:30**
